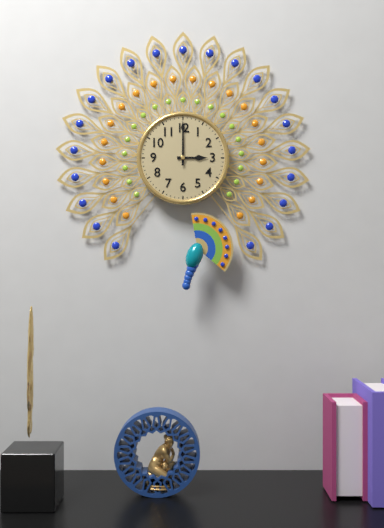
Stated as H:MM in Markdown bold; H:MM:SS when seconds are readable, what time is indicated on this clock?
**3:00**
